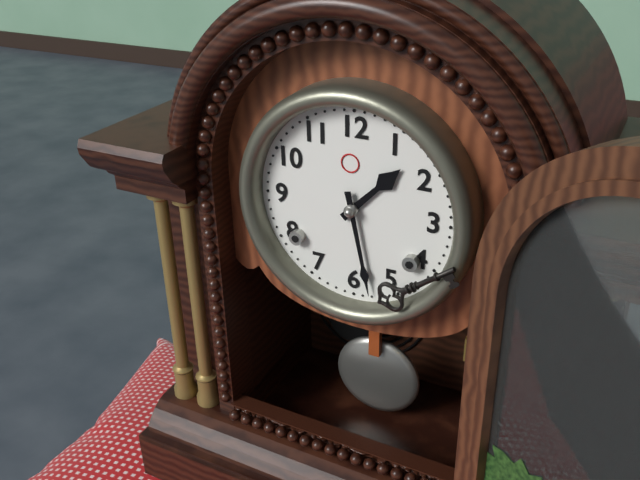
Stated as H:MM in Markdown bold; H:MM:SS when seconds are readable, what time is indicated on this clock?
**1:28**
